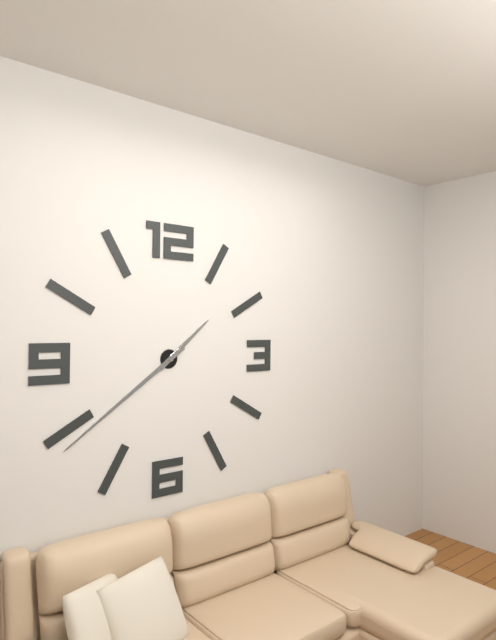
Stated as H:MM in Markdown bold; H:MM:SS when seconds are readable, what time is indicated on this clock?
**1:39**
